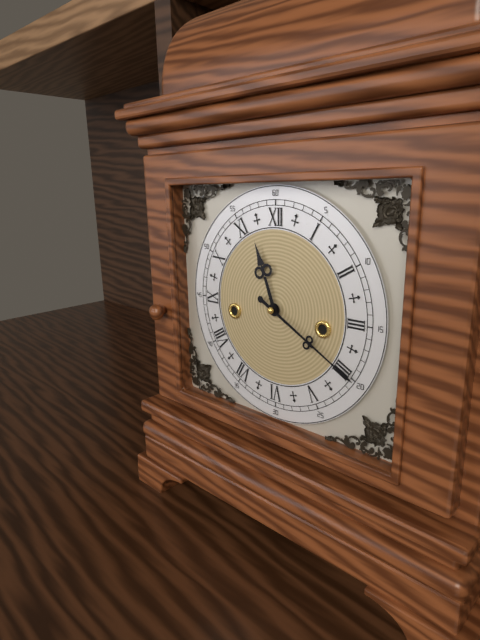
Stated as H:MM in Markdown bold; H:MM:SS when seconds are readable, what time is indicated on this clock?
**11:20**
